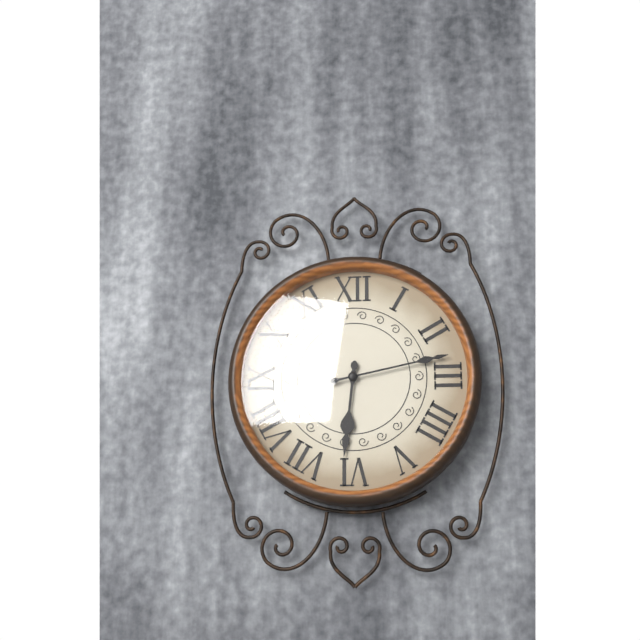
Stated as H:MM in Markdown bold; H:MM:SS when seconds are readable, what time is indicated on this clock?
**6:13**
